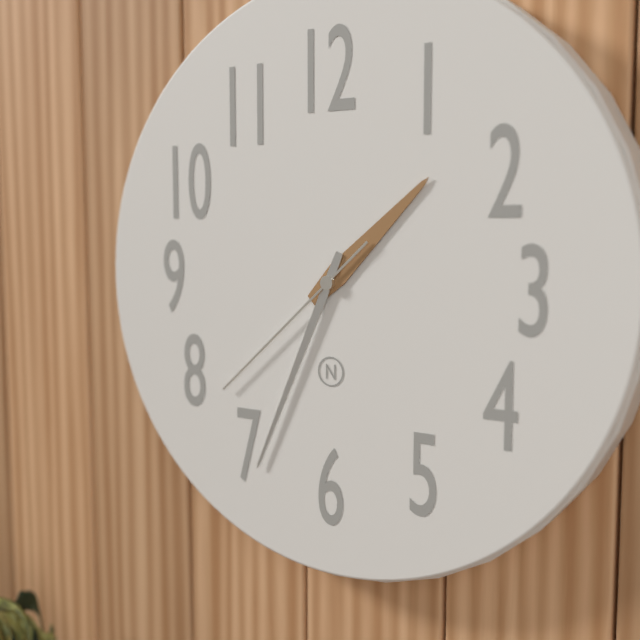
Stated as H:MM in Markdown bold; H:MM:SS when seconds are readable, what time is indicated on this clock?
**1:34:38**
